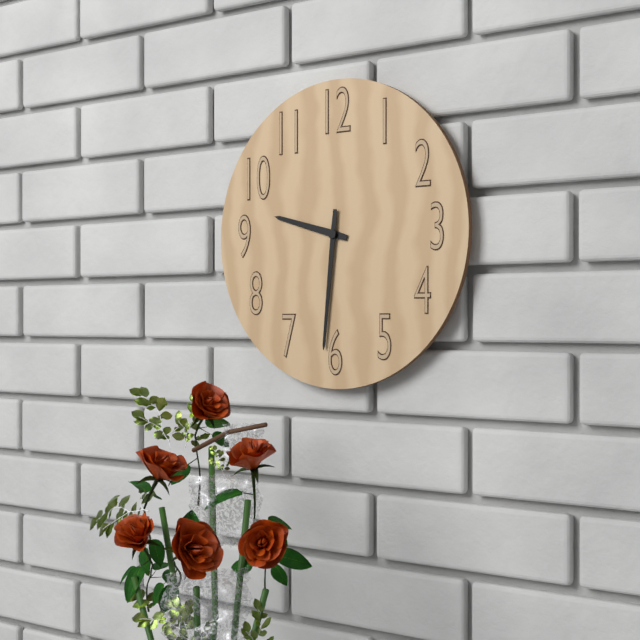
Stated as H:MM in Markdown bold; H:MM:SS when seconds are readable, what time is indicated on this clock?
**9:31**
